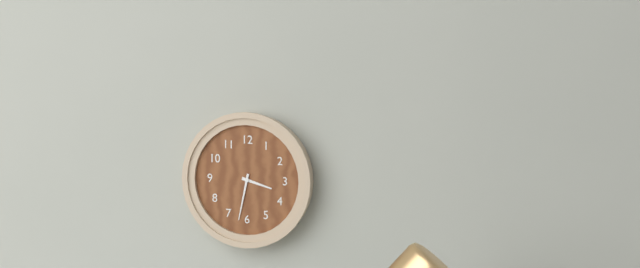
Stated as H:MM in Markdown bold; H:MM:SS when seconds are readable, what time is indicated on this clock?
**3:32**
